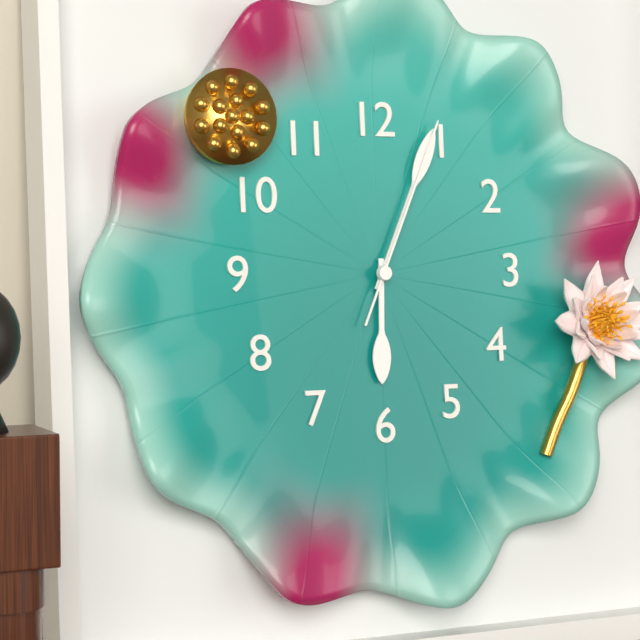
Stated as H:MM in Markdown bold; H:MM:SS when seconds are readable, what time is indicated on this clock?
**6:04:04**
